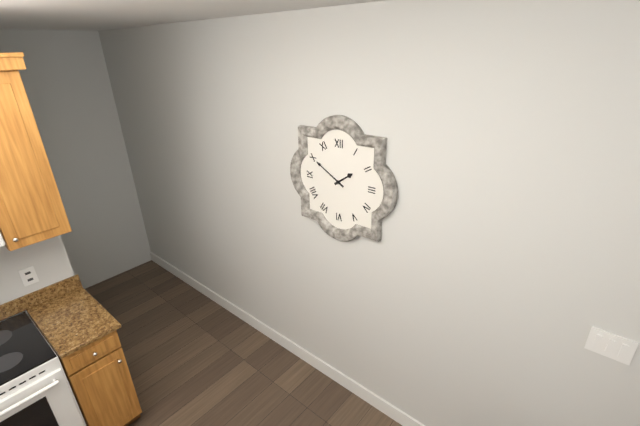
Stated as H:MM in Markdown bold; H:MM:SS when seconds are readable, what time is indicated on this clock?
**1:50**
